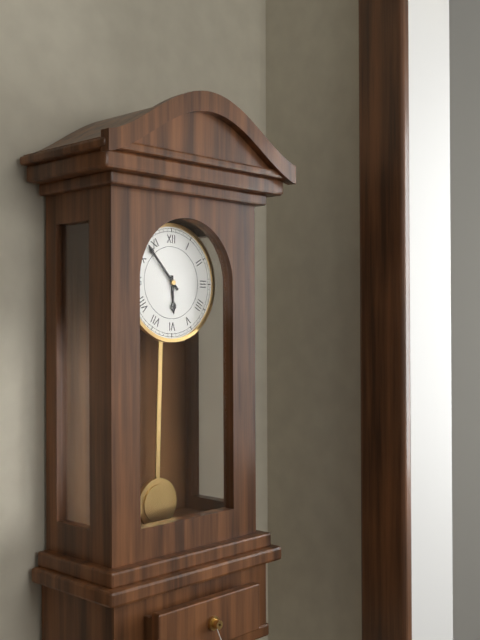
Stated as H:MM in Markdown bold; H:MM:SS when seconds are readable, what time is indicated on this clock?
**5:53**
